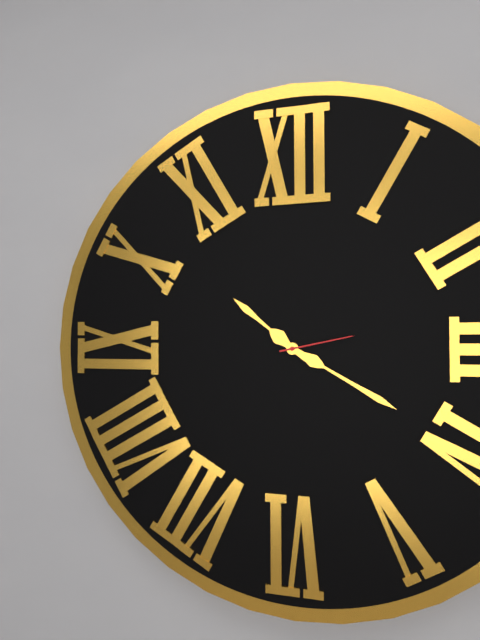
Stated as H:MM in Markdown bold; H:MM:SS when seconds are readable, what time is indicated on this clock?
**10:20:13**
